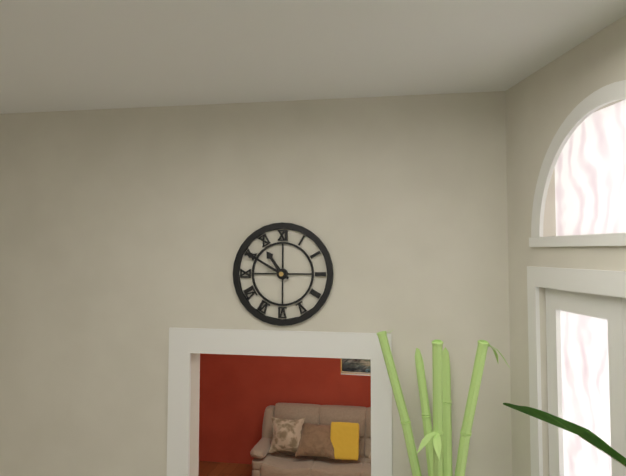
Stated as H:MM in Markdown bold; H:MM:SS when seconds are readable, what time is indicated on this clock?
**10:50**
